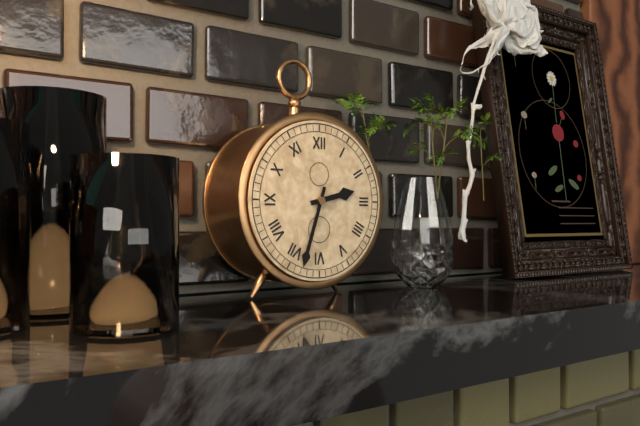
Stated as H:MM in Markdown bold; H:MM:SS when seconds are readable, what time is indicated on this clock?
**2:33**
